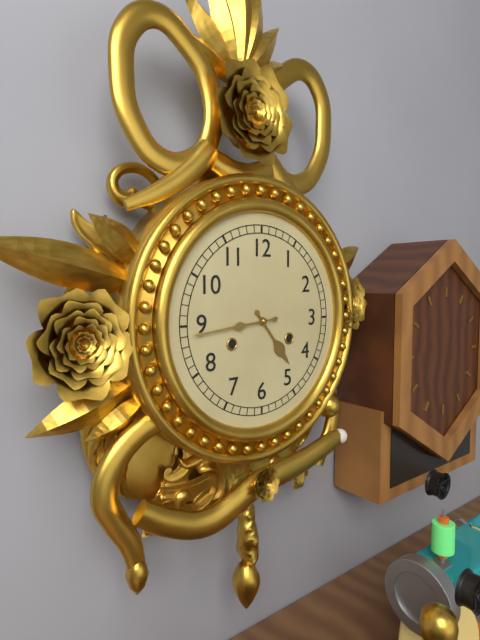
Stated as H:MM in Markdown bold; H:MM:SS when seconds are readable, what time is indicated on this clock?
**4:44**
